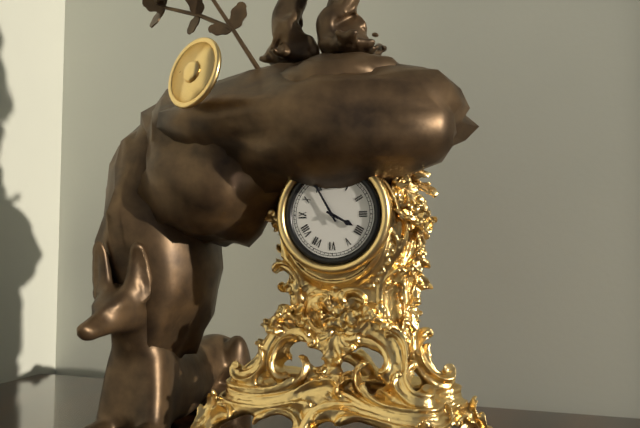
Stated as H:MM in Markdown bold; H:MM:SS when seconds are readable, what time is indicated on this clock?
**3:55**
